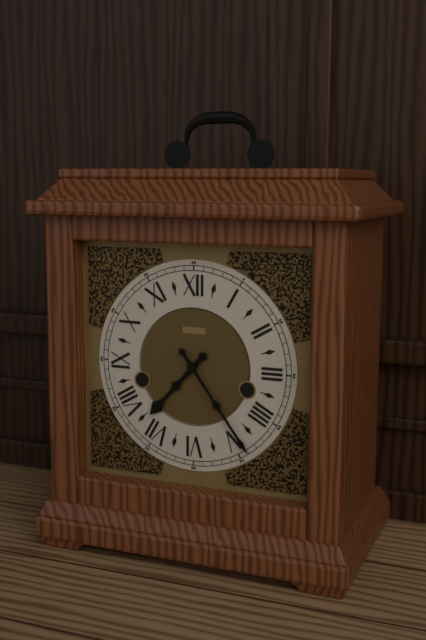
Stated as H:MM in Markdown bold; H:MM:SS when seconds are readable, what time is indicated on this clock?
**7:24**
